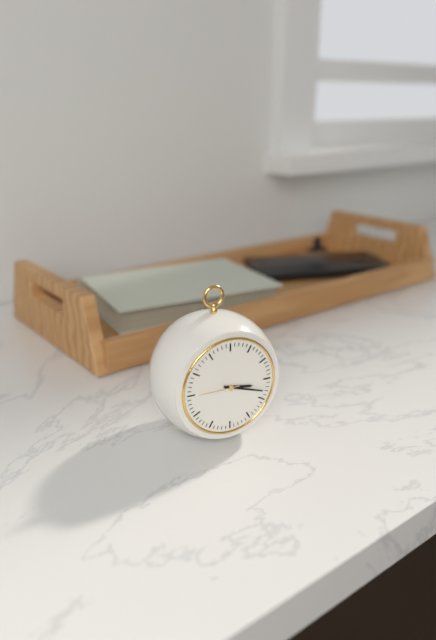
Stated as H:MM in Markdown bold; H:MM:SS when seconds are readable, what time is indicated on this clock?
**3:18**
